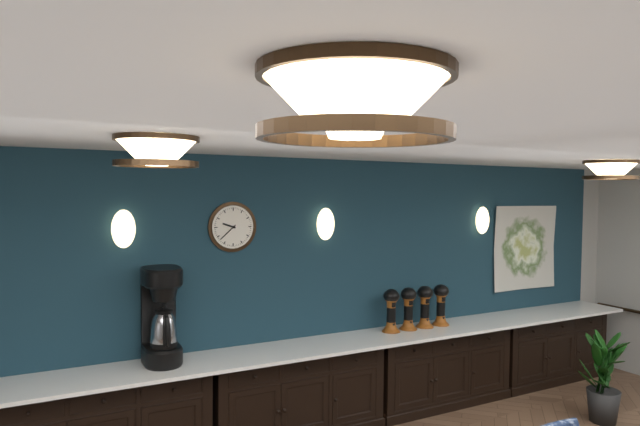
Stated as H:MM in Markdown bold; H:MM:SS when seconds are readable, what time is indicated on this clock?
**9:38**
